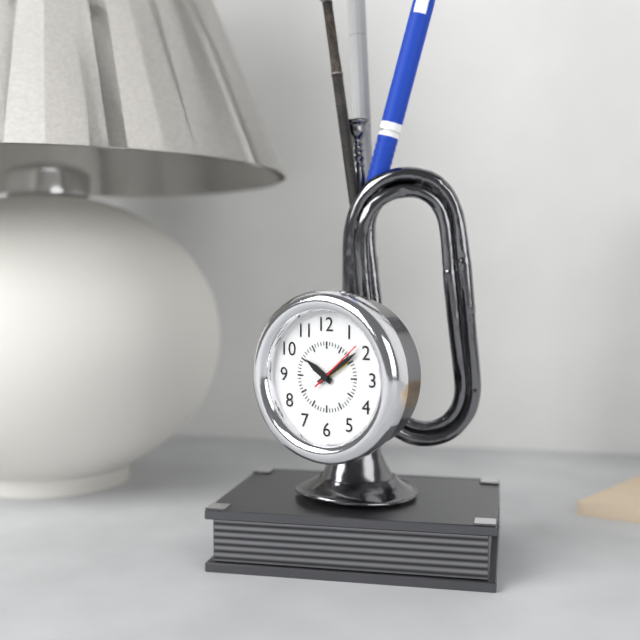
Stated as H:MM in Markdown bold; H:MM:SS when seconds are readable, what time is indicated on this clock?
**10:09:08**
